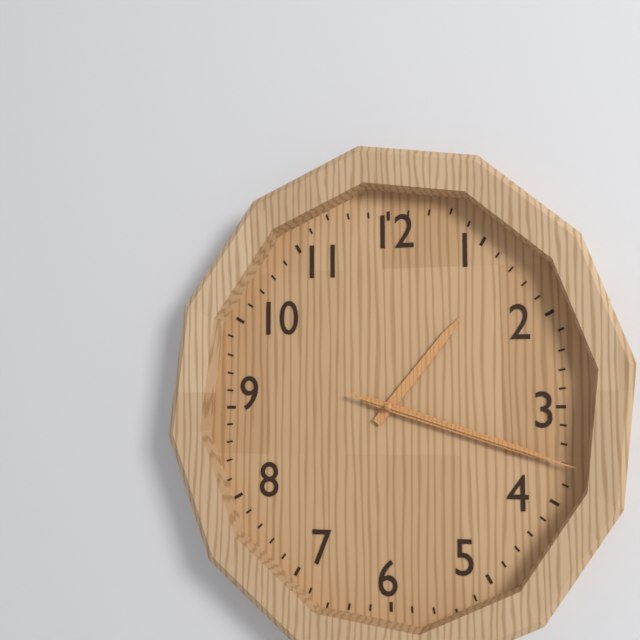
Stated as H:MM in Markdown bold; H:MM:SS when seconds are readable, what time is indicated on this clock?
**1:18:18**
